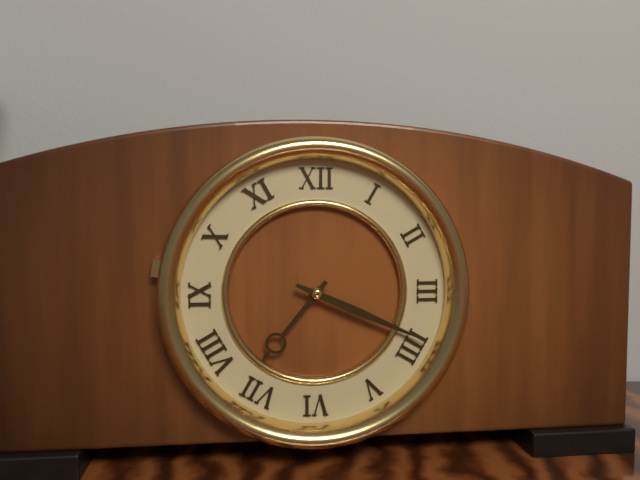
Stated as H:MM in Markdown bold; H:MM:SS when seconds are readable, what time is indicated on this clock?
**7:19**
